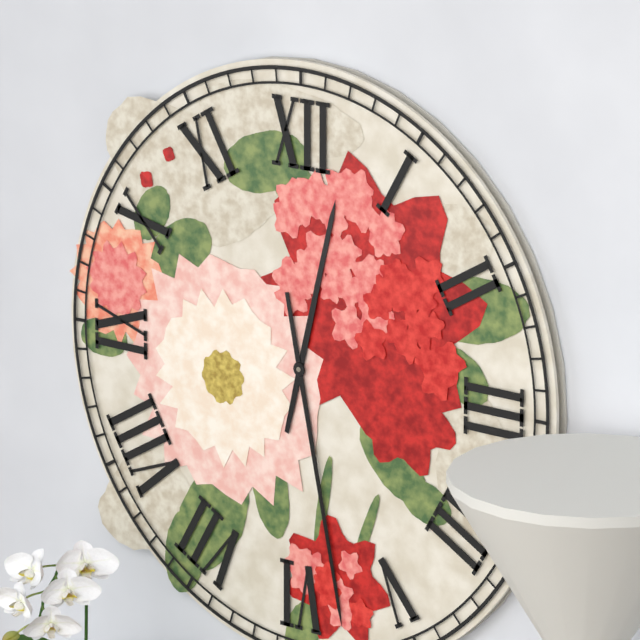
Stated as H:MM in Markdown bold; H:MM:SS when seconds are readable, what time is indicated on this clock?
**12:28**
